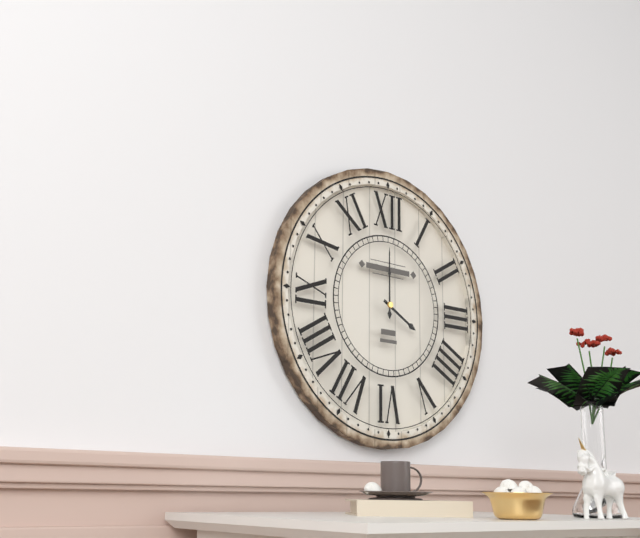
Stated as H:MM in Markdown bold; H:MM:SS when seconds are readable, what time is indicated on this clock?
**4:00**
